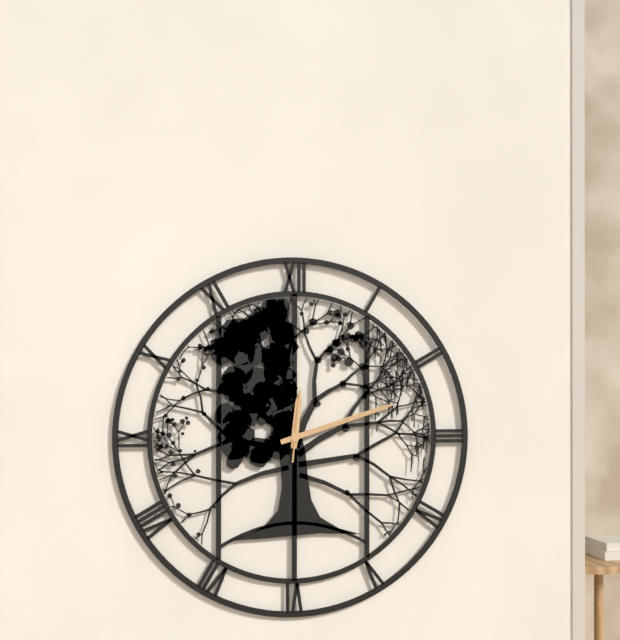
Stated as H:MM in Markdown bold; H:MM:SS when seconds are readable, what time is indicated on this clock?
**12:12:01**
